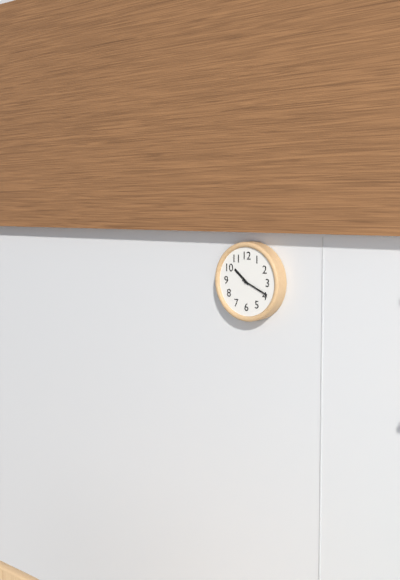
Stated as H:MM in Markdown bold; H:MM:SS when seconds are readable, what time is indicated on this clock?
**10:19**
